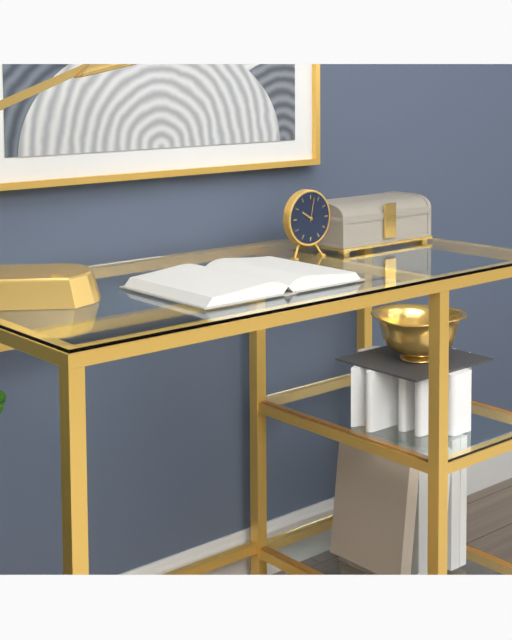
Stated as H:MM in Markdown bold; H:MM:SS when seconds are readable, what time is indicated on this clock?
**10:02**
